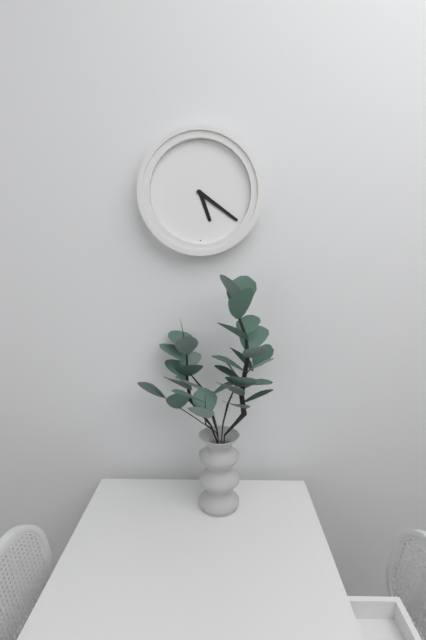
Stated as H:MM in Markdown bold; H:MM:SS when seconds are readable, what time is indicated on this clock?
**5:21**
